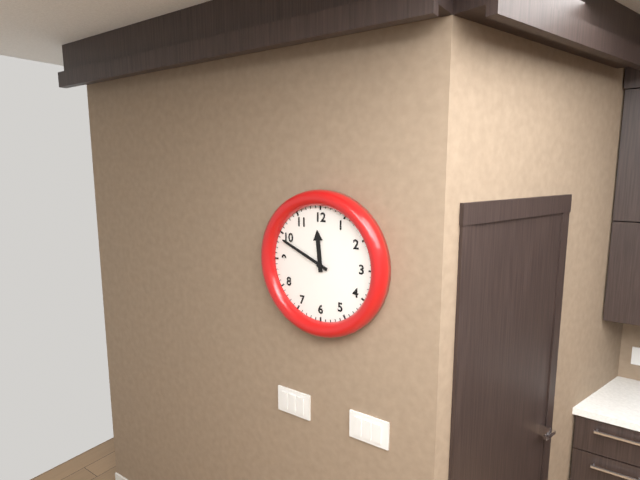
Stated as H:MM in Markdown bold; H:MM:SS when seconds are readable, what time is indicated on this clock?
**11:49**
